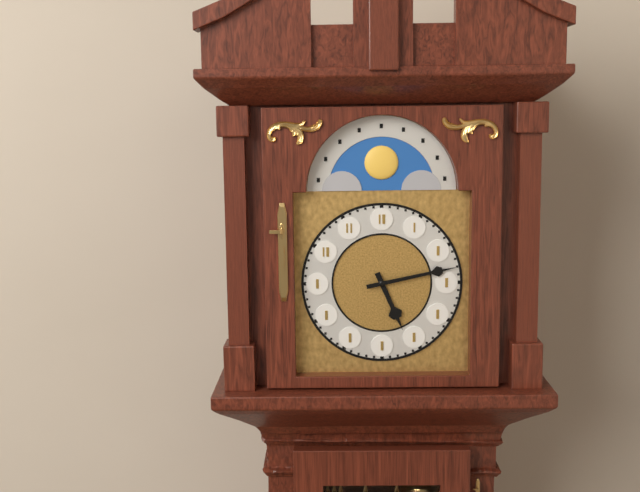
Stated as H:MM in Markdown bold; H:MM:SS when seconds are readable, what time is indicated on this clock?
**5:13**
